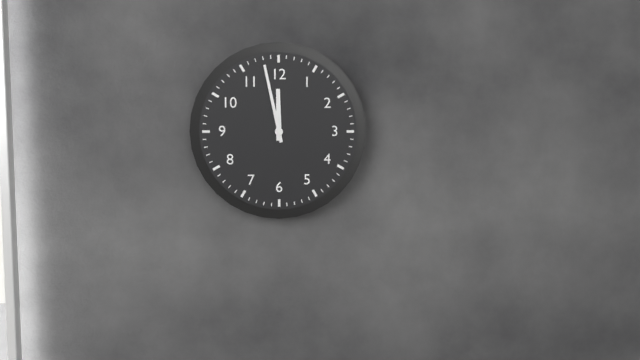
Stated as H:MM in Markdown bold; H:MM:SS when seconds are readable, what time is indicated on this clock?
**11:58**
